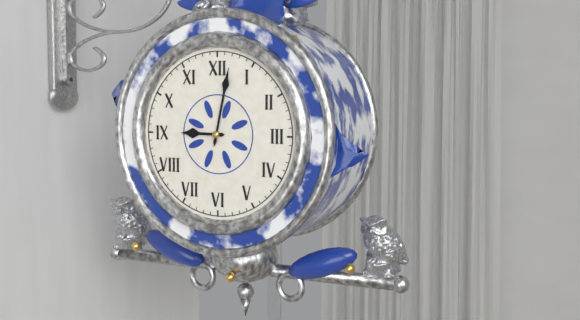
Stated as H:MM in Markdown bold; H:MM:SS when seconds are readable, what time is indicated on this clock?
**9:02**
